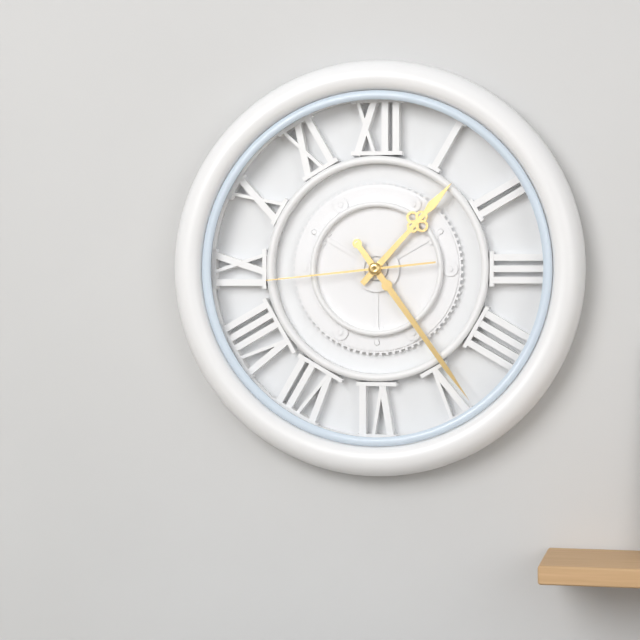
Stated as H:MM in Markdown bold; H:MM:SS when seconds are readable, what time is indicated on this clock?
**1:24:44**
